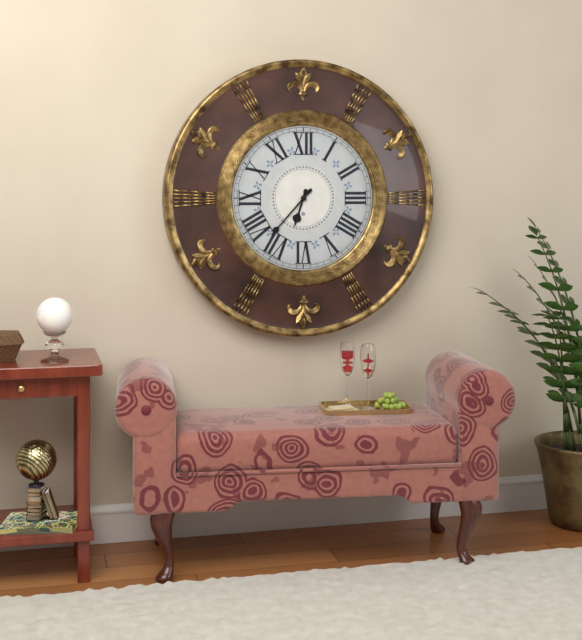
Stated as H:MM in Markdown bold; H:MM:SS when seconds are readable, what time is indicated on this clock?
**6:37**
